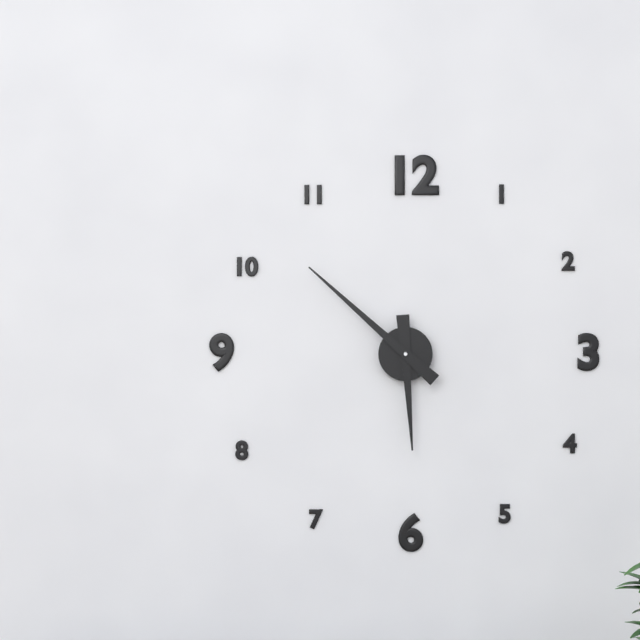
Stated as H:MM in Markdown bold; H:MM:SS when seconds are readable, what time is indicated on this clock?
**5:52**
